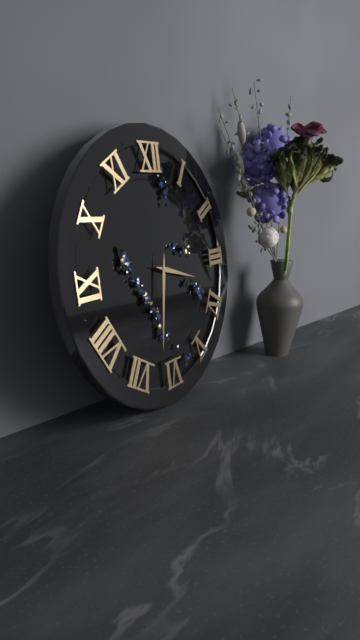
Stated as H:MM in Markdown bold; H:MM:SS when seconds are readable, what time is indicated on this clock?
**3:32**
